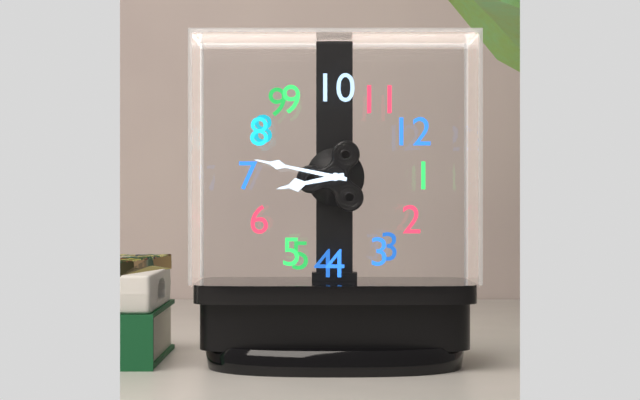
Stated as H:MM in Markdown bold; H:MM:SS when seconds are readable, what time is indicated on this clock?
**6:37**
